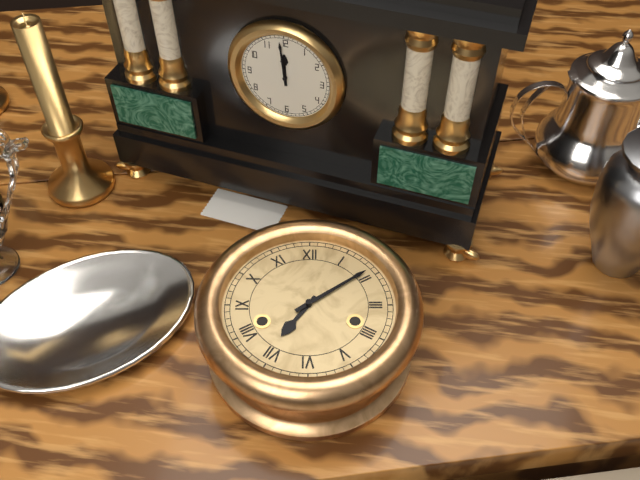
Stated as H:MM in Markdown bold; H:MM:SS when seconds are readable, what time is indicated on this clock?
**7:09**
